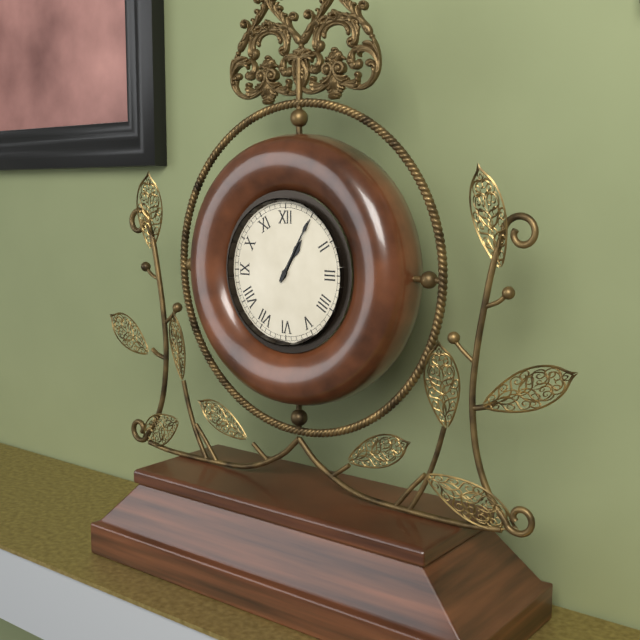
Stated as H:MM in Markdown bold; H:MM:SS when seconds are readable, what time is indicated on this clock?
**1:05**
